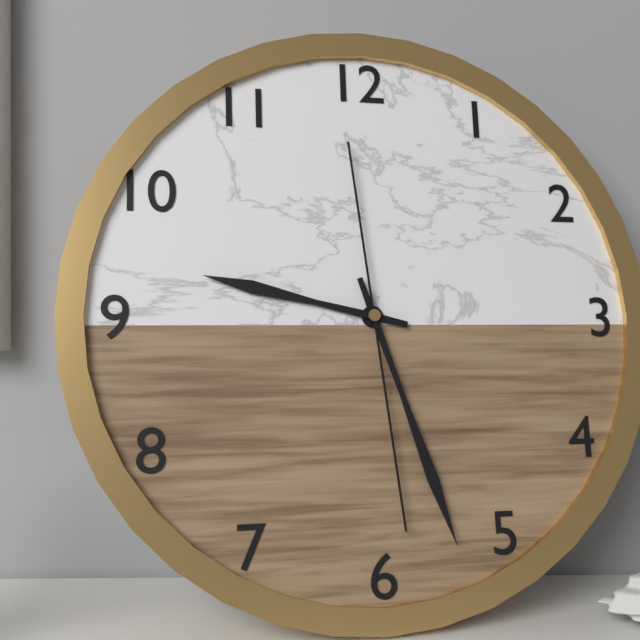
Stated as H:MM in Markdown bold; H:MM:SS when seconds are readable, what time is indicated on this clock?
**9:27:29**
